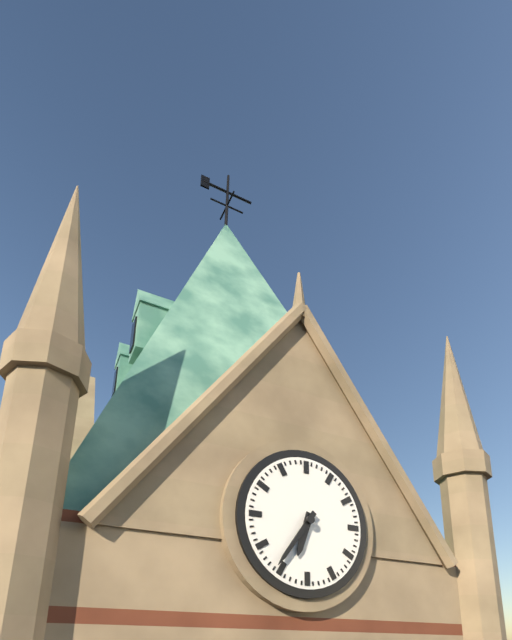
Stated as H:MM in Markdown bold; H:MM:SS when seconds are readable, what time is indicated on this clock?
**6:36**
